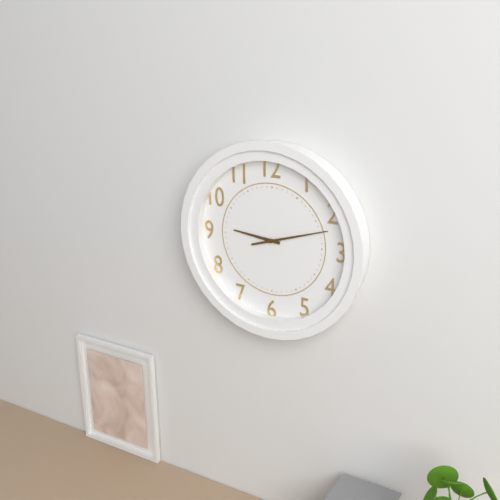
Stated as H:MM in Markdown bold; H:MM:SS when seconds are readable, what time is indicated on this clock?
**9:12**
